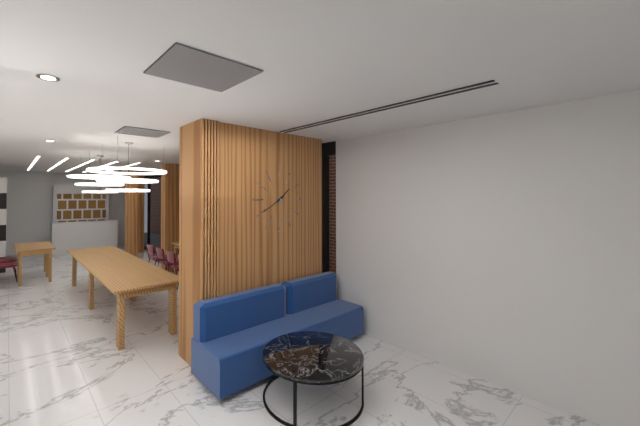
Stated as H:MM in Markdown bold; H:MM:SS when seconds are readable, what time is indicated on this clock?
**1:40**
